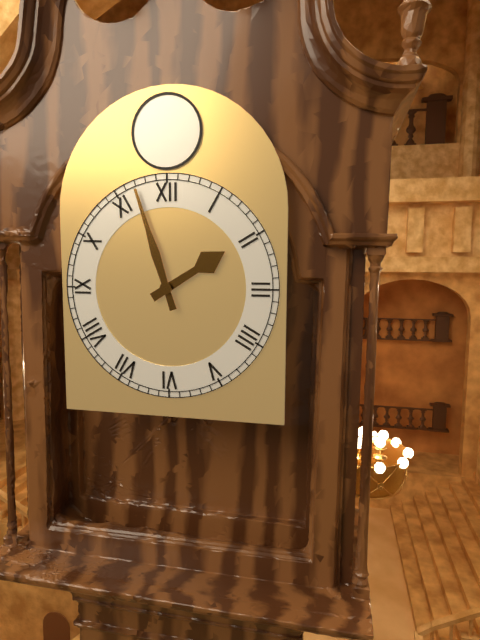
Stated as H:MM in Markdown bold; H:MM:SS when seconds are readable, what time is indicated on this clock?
**1:57**
